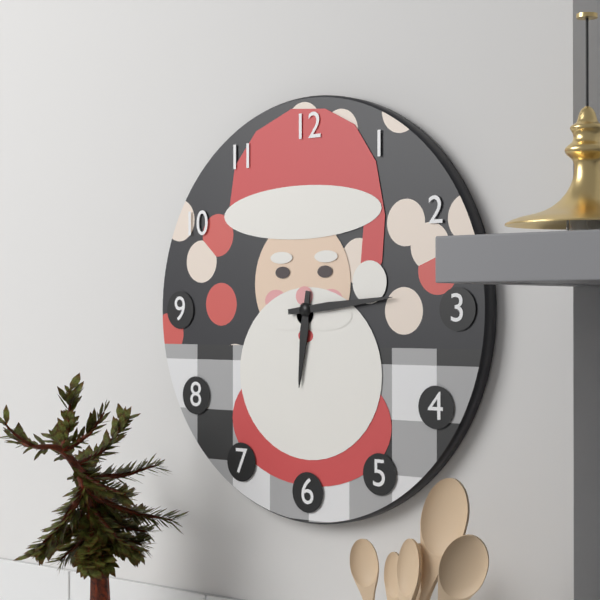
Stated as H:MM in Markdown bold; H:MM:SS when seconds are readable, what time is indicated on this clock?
**6:14**
